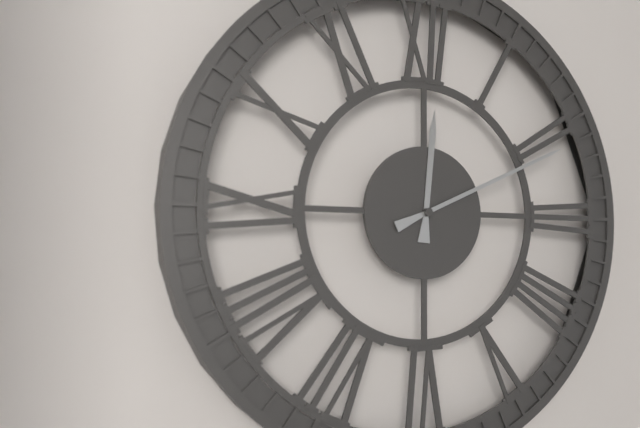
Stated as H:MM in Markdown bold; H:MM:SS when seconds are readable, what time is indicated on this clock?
**12:11**
